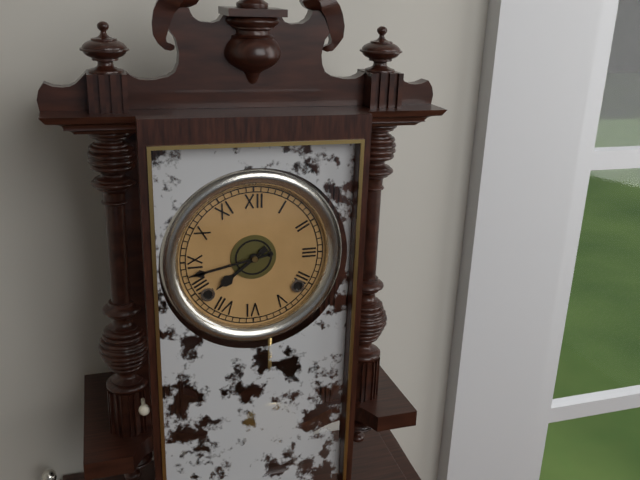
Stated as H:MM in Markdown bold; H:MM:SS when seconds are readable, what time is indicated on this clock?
**7:43**
